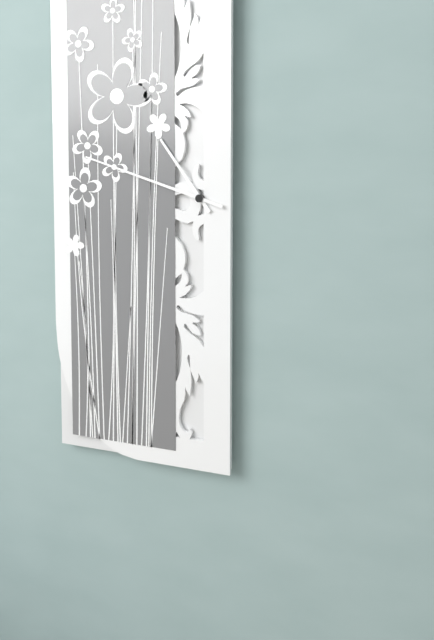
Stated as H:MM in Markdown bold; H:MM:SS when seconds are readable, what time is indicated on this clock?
**10:48**
